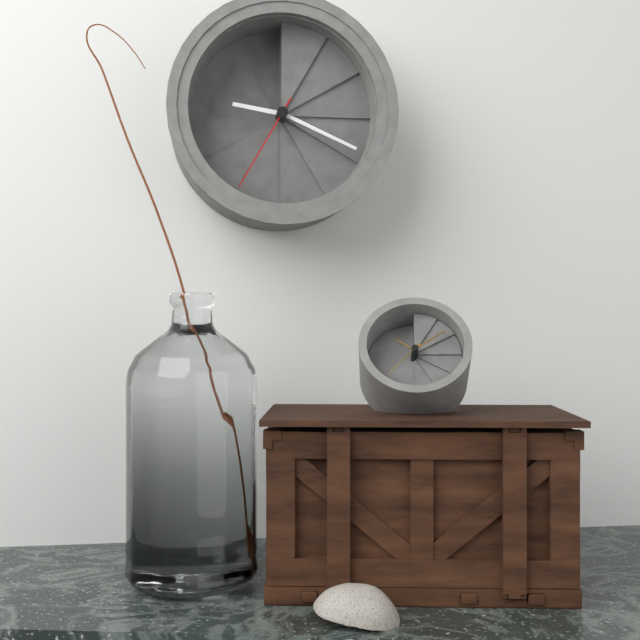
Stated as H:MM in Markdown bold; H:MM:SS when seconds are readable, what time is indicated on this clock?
**9:19:35**
